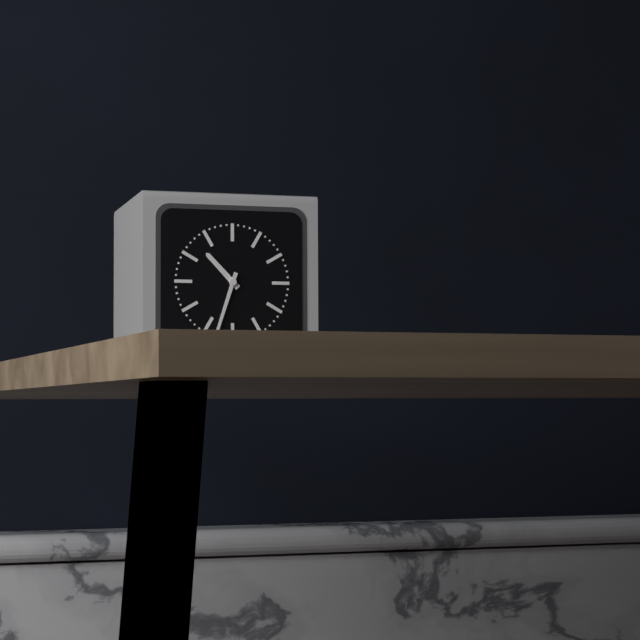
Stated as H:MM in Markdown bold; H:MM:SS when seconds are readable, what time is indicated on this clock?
**10:33**
